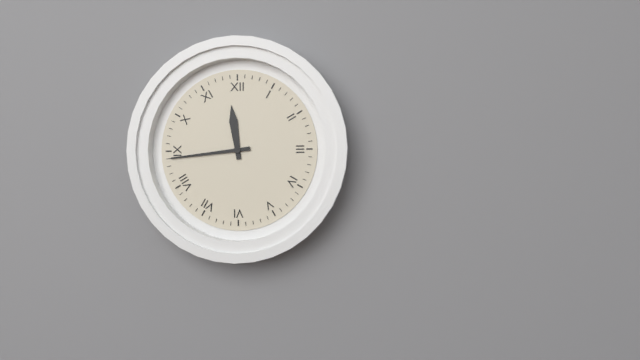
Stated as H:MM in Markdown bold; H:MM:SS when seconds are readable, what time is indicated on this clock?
**11:44**
